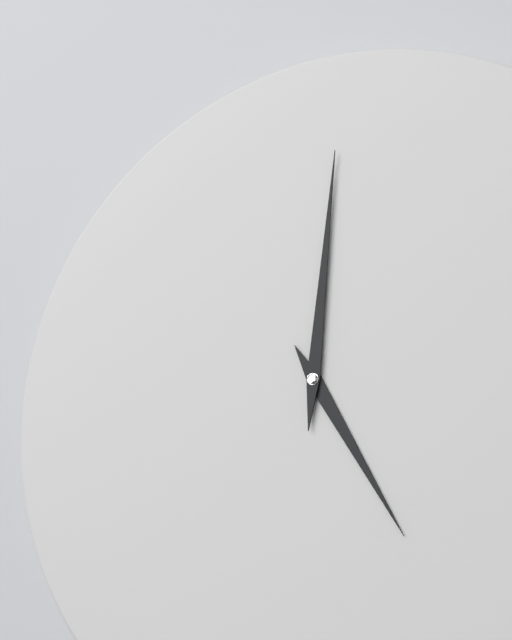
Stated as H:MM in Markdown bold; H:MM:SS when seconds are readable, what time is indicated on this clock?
**5:01**
